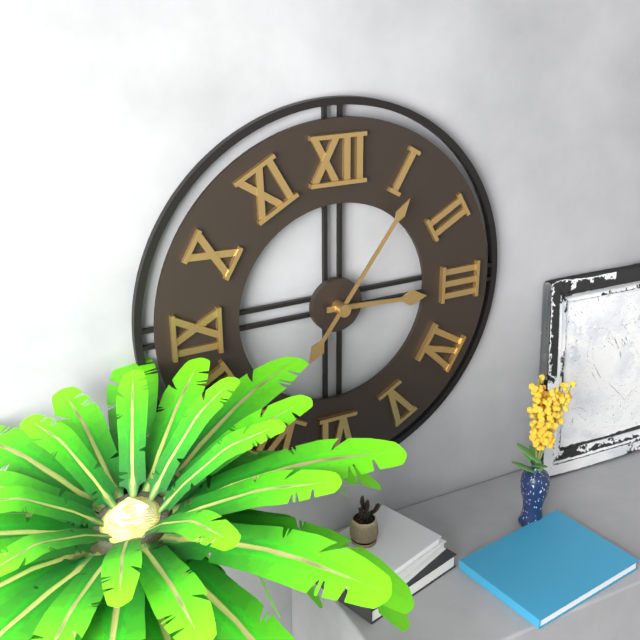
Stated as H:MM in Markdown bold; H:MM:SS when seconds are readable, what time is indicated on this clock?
**3:06**
